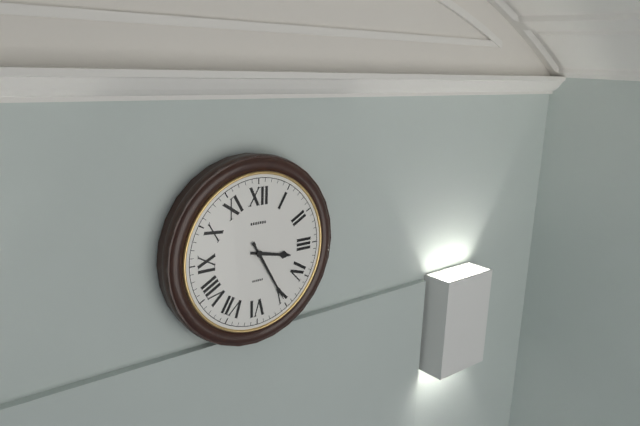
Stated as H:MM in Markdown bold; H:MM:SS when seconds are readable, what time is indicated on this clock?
**3:25**
